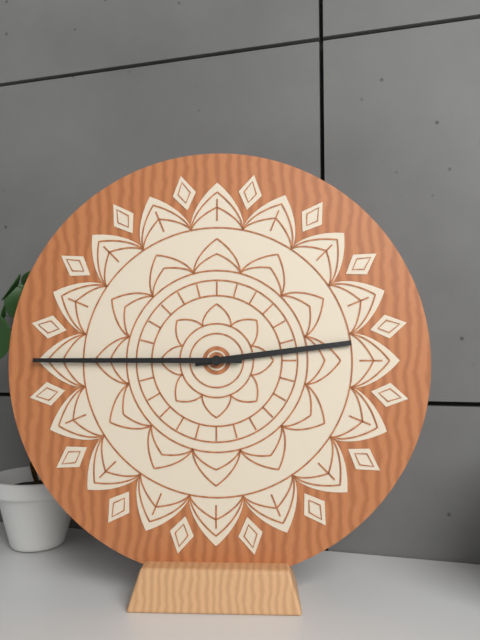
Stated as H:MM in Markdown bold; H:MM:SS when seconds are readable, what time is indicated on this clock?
**2:45**
